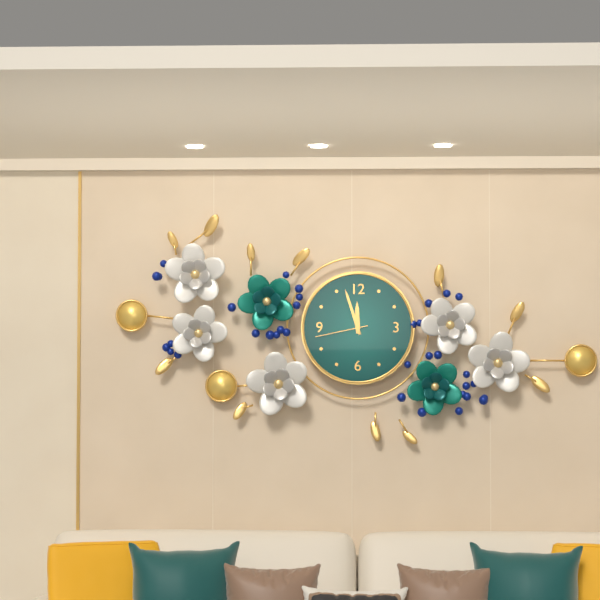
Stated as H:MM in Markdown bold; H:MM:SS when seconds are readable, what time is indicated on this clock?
**11:57:43**
